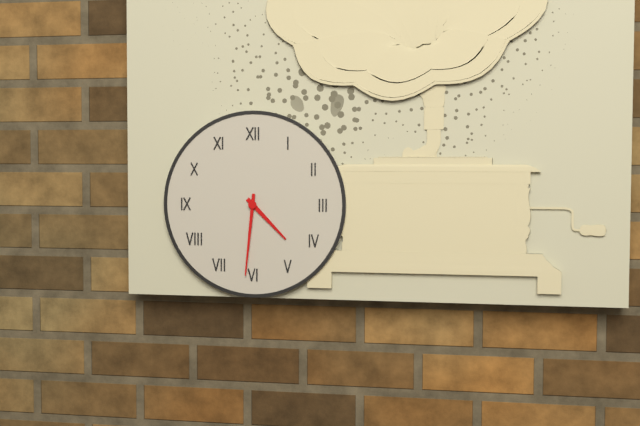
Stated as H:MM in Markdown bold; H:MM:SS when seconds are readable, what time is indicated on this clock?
**4:31**
